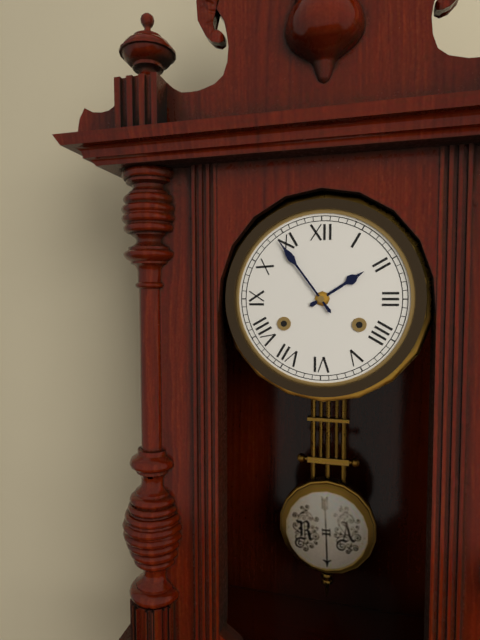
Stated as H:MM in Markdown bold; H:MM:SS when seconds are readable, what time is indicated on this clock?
**1:54**
